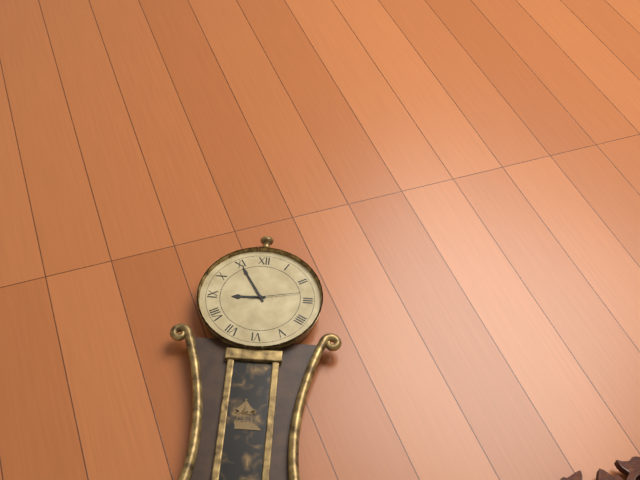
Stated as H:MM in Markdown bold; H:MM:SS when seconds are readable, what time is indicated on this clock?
**8:55**
